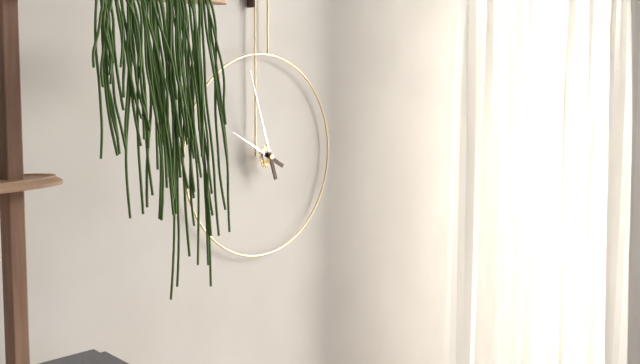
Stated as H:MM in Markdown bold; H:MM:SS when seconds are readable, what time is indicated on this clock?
**9:57**
